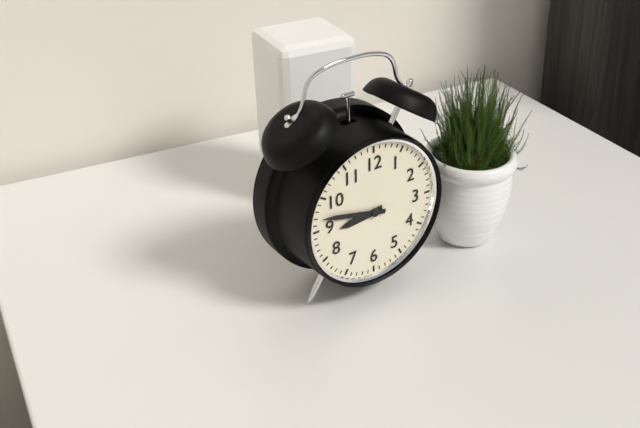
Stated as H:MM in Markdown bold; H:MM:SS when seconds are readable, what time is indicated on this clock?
**8:47**
